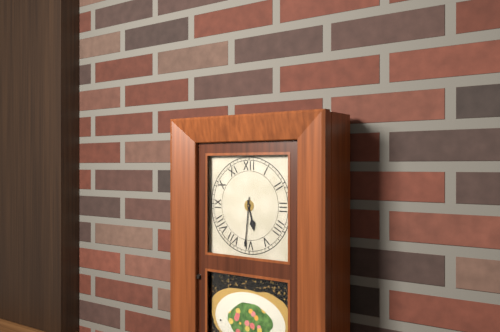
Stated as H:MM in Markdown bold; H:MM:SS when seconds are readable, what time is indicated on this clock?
**5:31**
